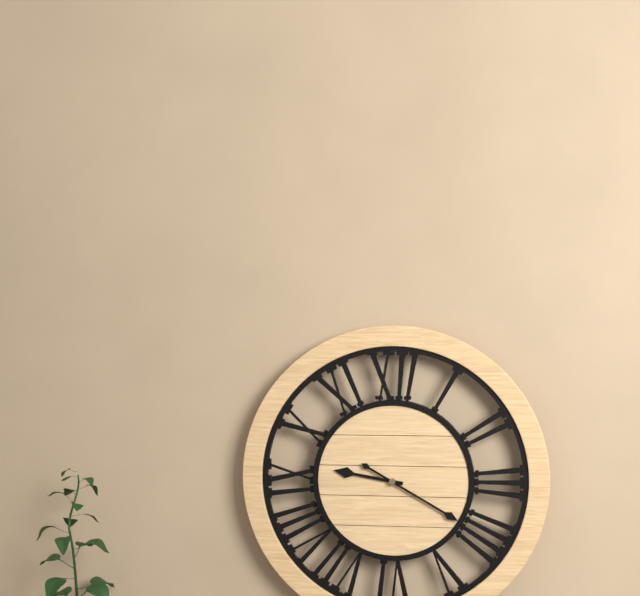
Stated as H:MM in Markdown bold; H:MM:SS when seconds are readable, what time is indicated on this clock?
**9:20**
